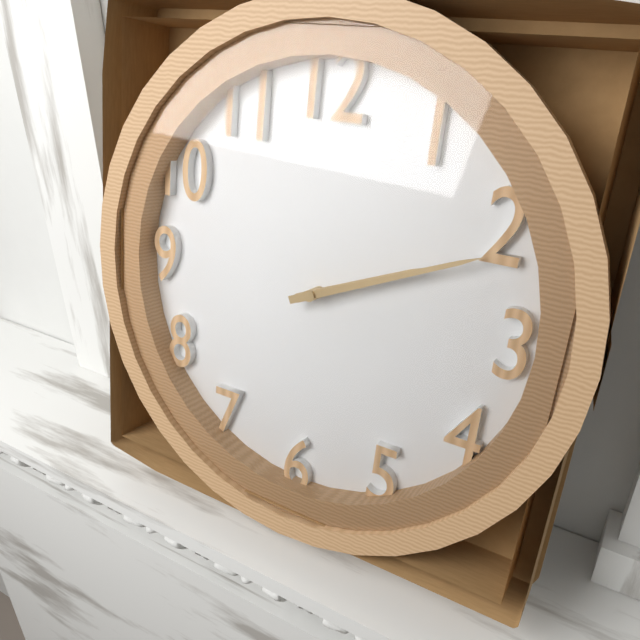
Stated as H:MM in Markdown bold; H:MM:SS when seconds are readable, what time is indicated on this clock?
**2:11**
